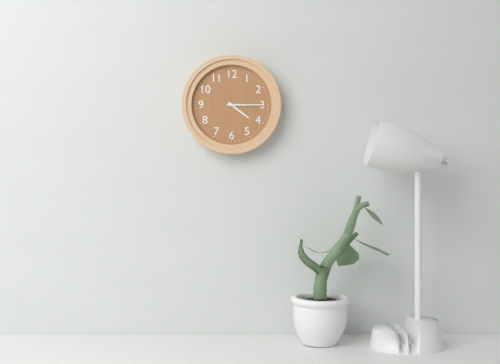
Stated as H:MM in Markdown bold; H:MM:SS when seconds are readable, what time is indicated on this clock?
**4:15**
